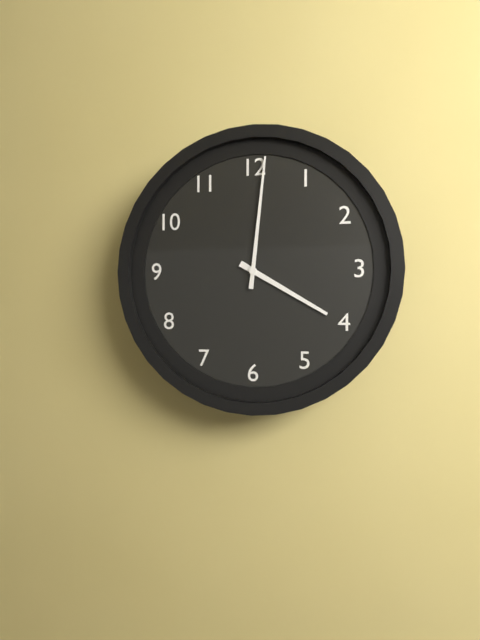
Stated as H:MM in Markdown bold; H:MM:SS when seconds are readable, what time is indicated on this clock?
**4:01**
